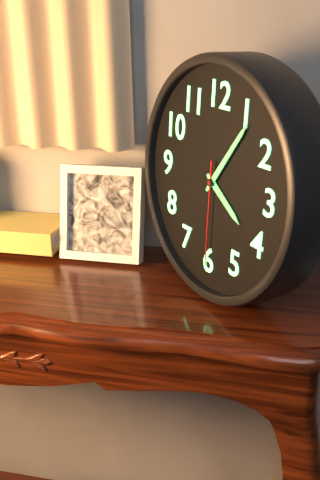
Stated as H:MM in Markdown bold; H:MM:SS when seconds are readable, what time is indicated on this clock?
**4:06:30**
